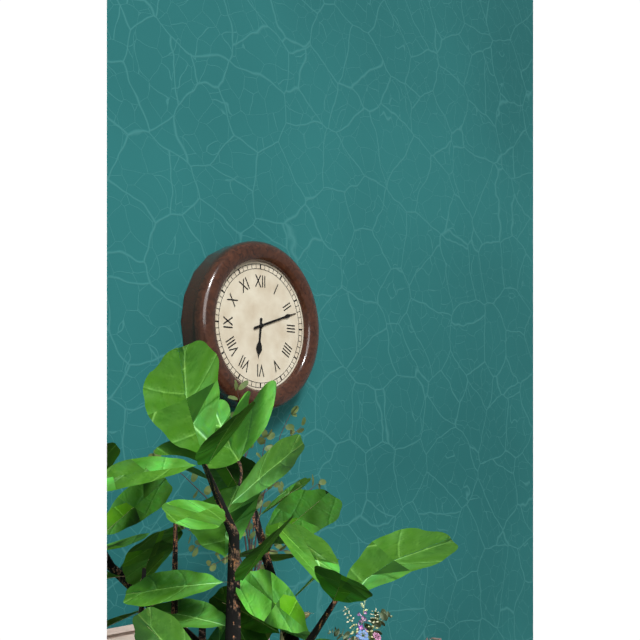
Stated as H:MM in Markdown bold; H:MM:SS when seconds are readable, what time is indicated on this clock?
**6:12**
